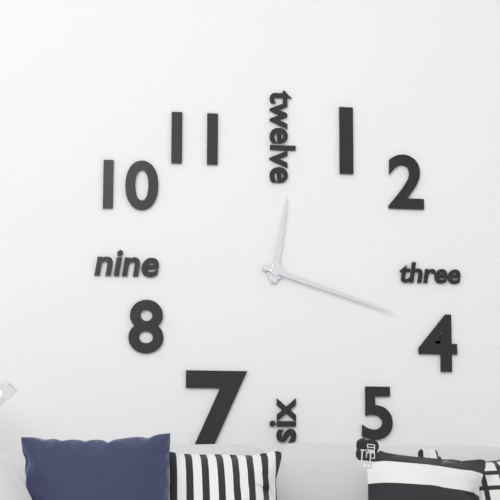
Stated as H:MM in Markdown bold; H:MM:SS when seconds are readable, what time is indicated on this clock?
**12:18**
